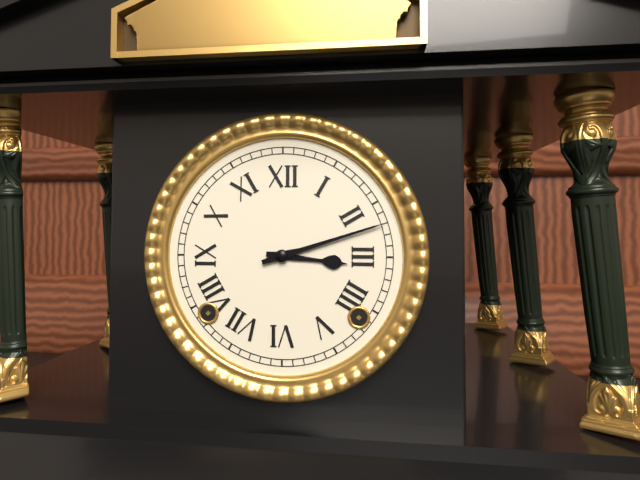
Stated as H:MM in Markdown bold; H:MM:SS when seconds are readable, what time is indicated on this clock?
**3:12**
